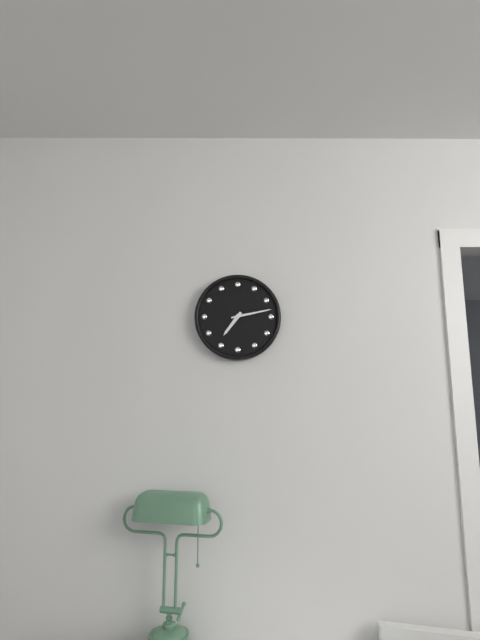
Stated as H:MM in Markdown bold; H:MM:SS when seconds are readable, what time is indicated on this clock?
**7:13**
